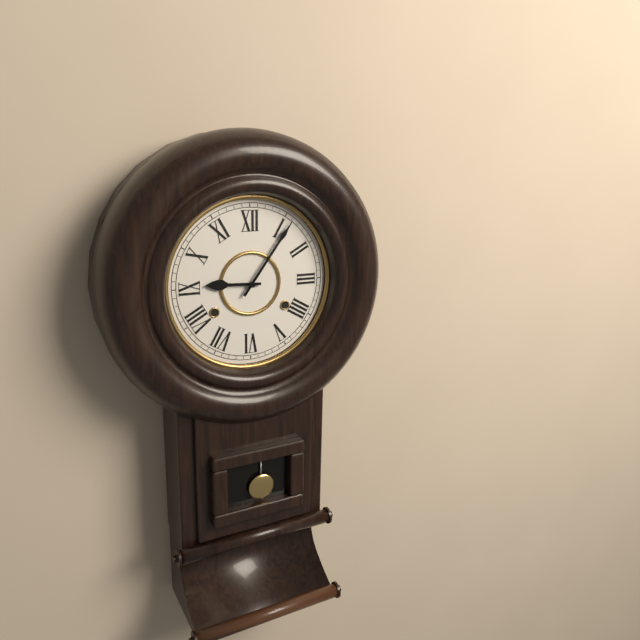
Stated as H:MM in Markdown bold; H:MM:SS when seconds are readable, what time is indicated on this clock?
**9:06**
